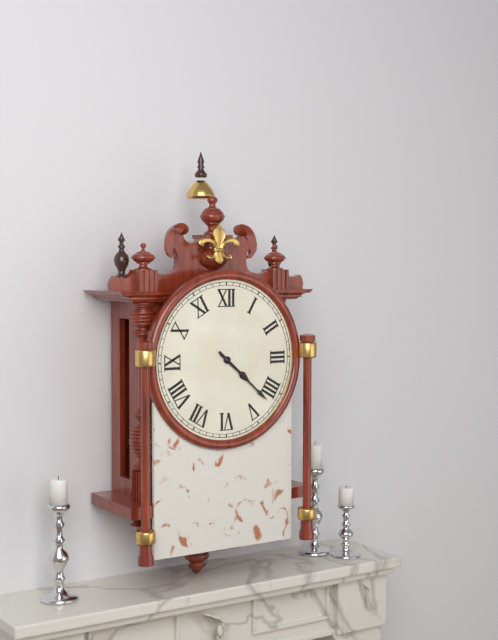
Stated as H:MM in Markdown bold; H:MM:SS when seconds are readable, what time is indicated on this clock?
**4:22**
